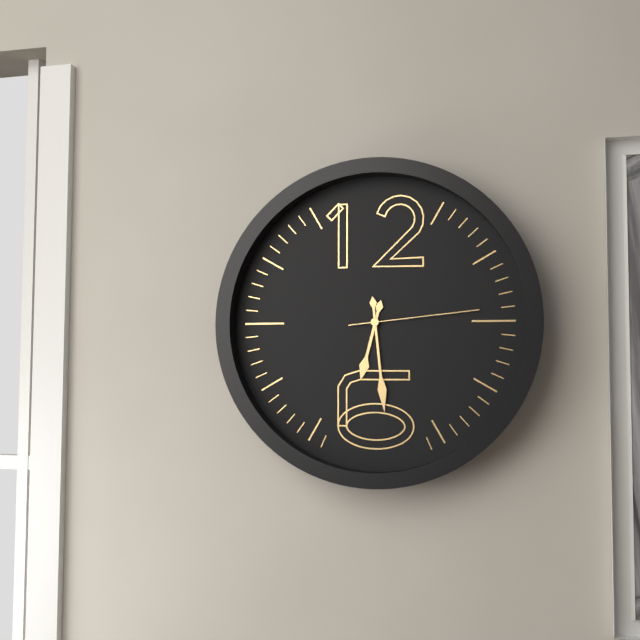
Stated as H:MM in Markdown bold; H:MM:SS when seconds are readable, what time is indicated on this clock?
**6:29:14**
